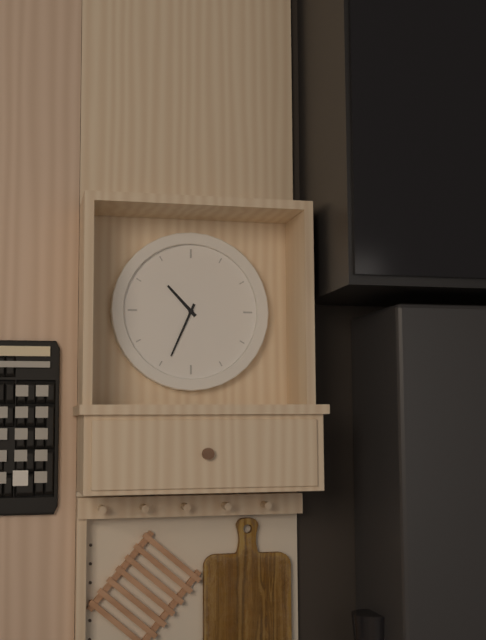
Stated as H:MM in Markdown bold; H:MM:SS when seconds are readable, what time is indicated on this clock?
**10:34**
